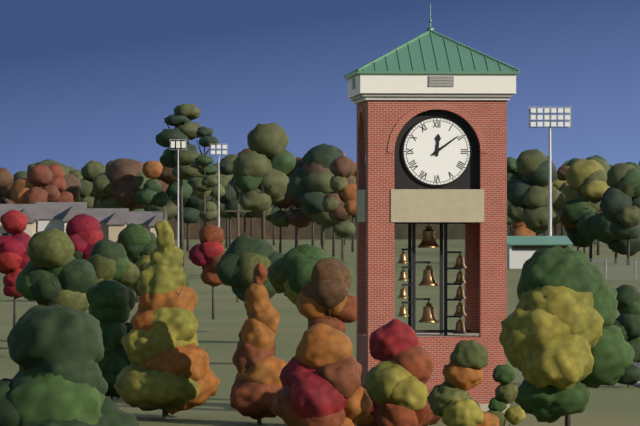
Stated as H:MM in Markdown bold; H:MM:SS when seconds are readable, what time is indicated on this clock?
**12:09**
